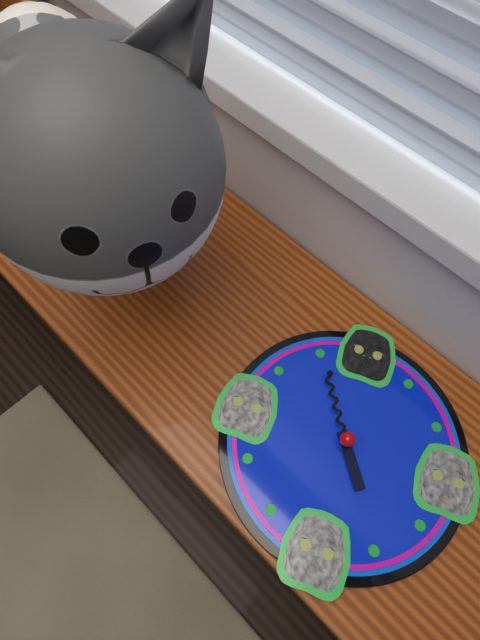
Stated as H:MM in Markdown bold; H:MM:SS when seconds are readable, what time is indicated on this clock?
**4:55**
